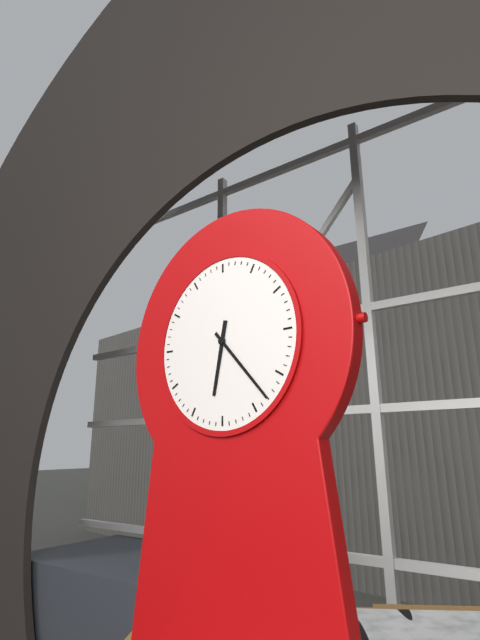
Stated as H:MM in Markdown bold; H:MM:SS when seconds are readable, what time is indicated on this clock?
**6:23**
